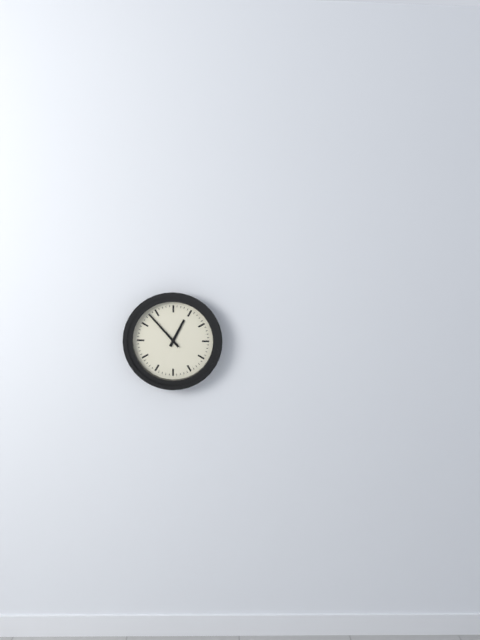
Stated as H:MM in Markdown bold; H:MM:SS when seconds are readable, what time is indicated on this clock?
**12:53**
